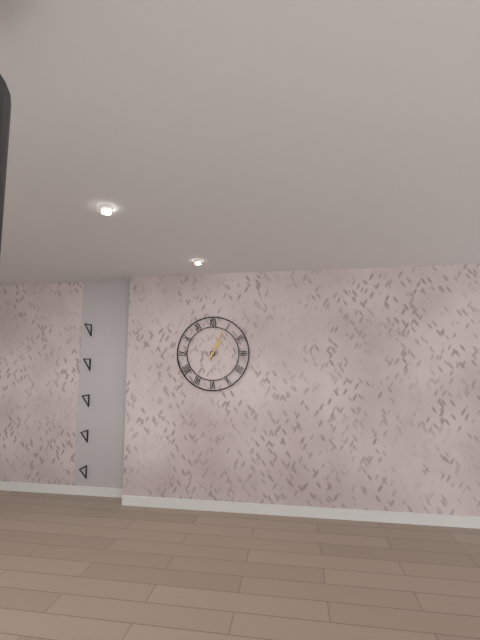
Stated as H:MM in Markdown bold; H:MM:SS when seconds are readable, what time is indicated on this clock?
**1:04**
